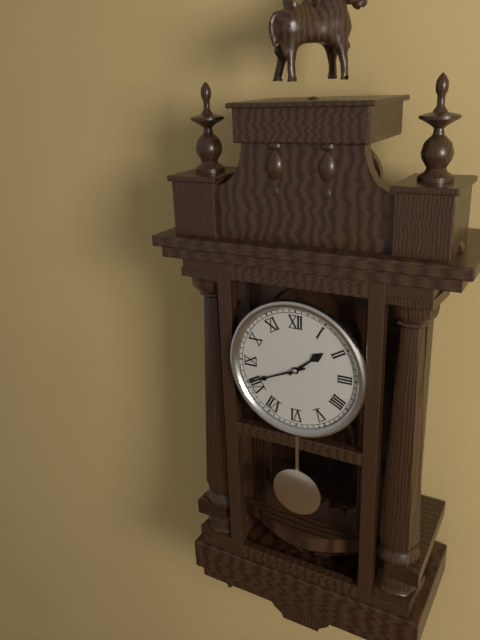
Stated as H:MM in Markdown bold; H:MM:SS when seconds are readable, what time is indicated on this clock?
**1:41**
